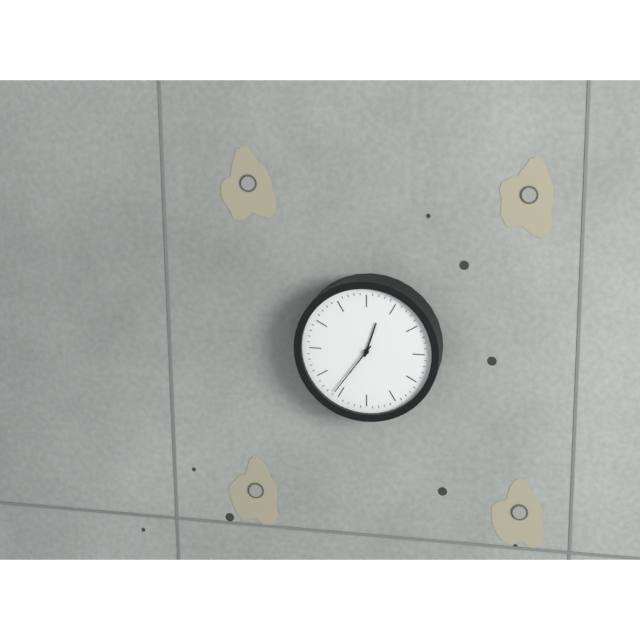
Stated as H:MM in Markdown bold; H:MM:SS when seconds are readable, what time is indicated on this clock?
**12:36**
